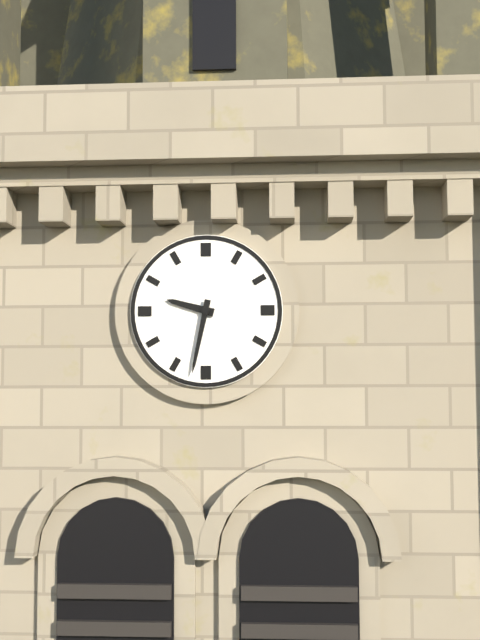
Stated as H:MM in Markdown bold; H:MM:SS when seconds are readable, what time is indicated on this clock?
**9:32**
